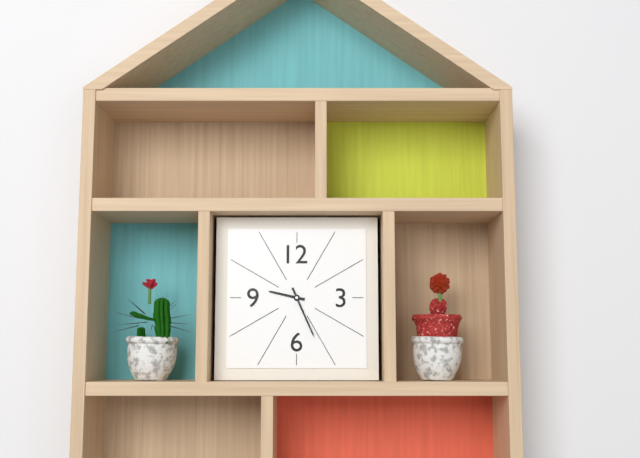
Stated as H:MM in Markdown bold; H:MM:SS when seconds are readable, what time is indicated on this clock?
**9:26**
